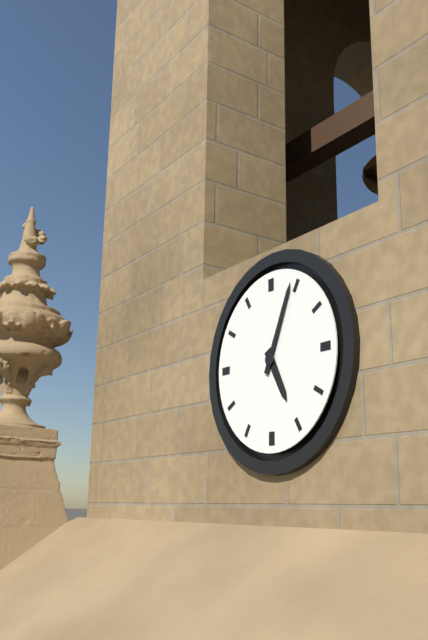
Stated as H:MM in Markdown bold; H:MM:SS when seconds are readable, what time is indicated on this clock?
**5:04**
